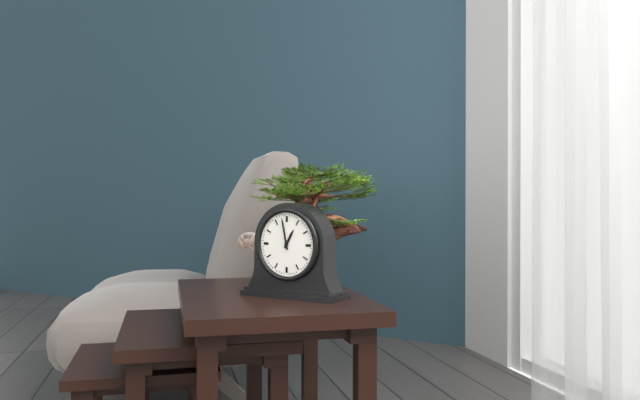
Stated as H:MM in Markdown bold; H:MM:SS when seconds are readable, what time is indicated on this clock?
**12:58**
